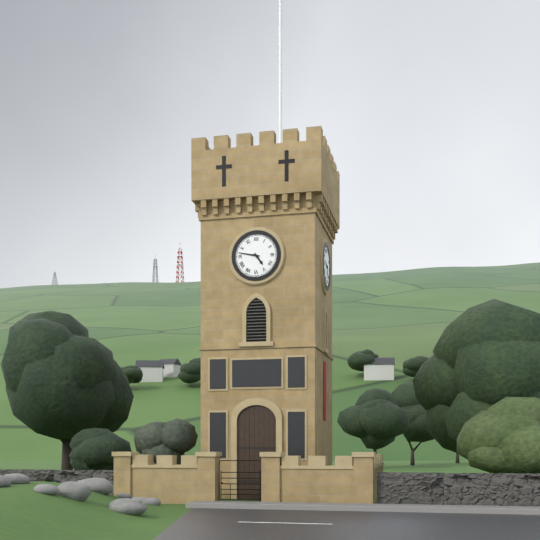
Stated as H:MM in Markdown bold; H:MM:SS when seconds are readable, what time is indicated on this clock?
**4:47**
